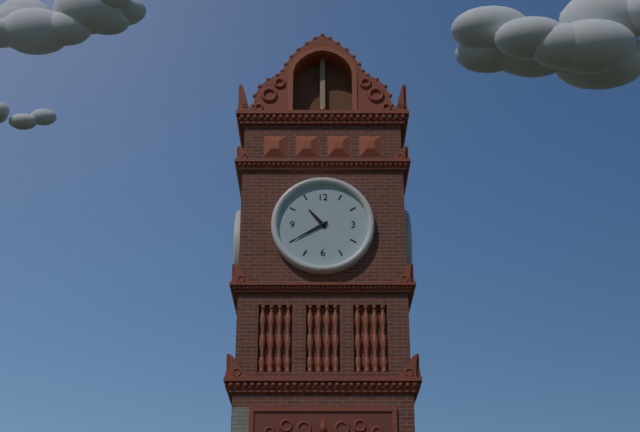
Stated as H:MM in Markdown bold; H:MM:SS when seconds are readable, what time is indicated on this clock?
**10:40**
